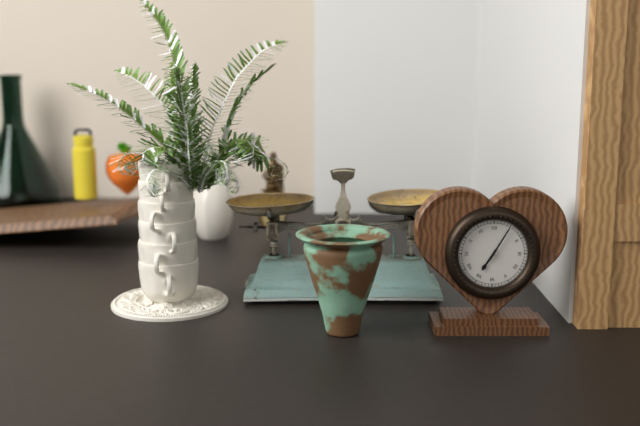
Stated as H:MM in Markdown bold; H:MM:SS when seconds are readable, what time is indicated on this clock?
**7:05**
